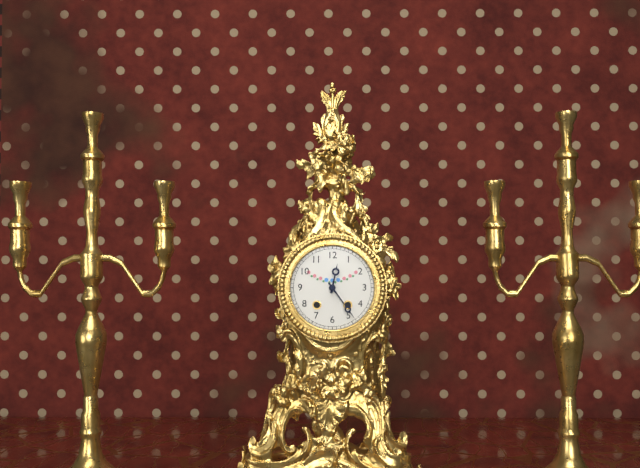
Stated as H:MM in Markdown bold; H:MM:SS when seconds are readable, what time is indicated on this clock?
**12:24**
